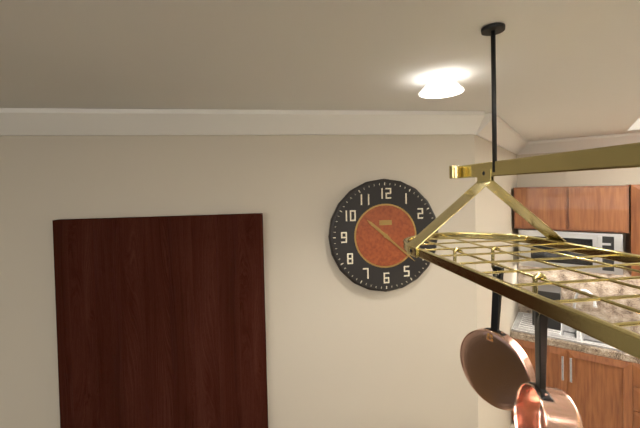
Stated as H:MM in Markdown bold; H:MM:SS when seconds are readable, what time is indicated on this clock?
**10:22**
